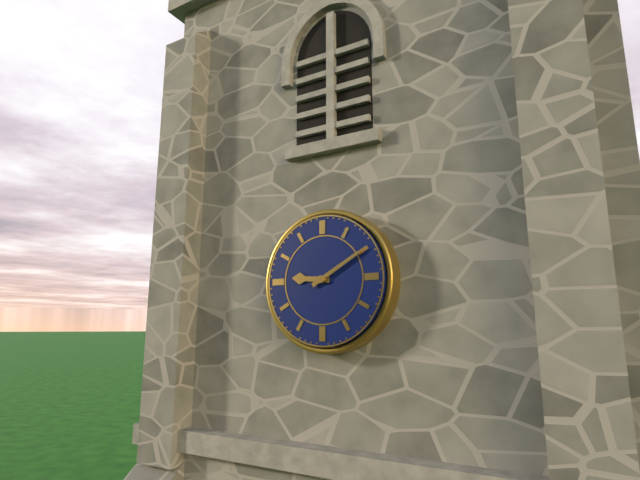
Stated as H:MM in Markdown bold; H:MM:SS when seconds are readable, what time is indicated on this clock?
**9:10**
